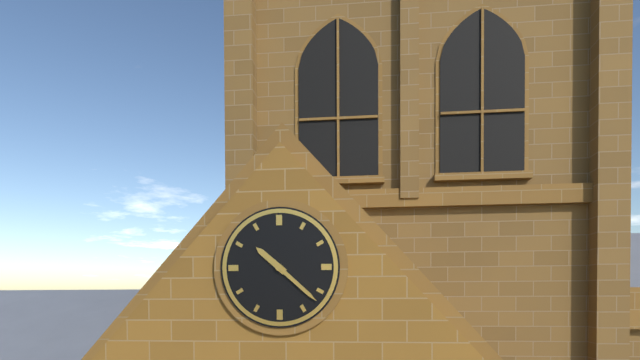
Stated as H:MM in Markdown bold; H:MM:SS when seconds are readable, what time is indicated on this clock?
**10:22**
